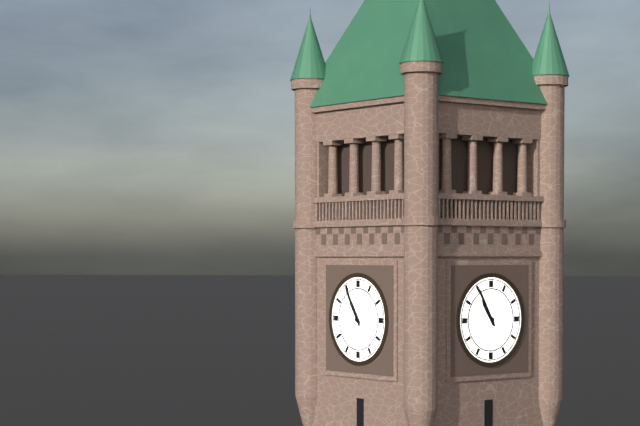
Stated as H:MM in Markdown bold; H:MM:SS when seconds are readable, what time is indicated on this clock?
**10:55**
